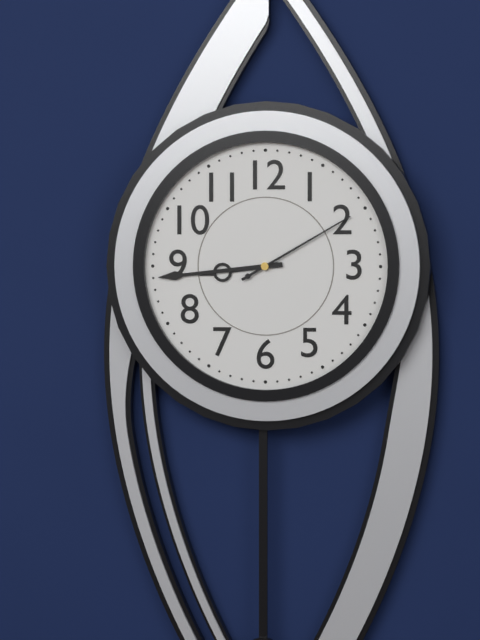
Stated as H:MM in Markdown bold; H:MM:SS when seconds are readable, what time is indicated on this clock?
**8:44:10**
